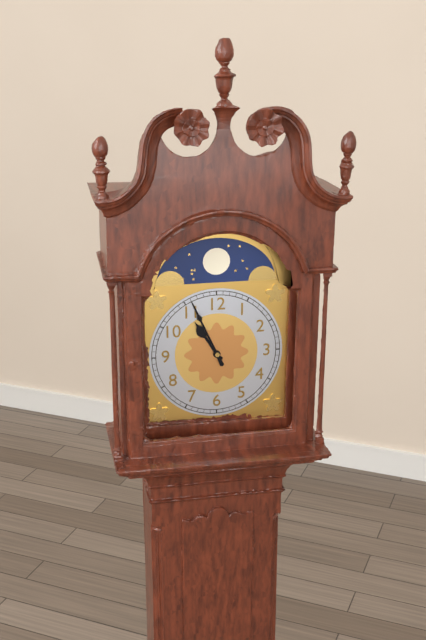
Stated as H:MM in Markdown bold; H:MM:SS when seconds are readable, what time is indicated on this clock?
**10:56**
